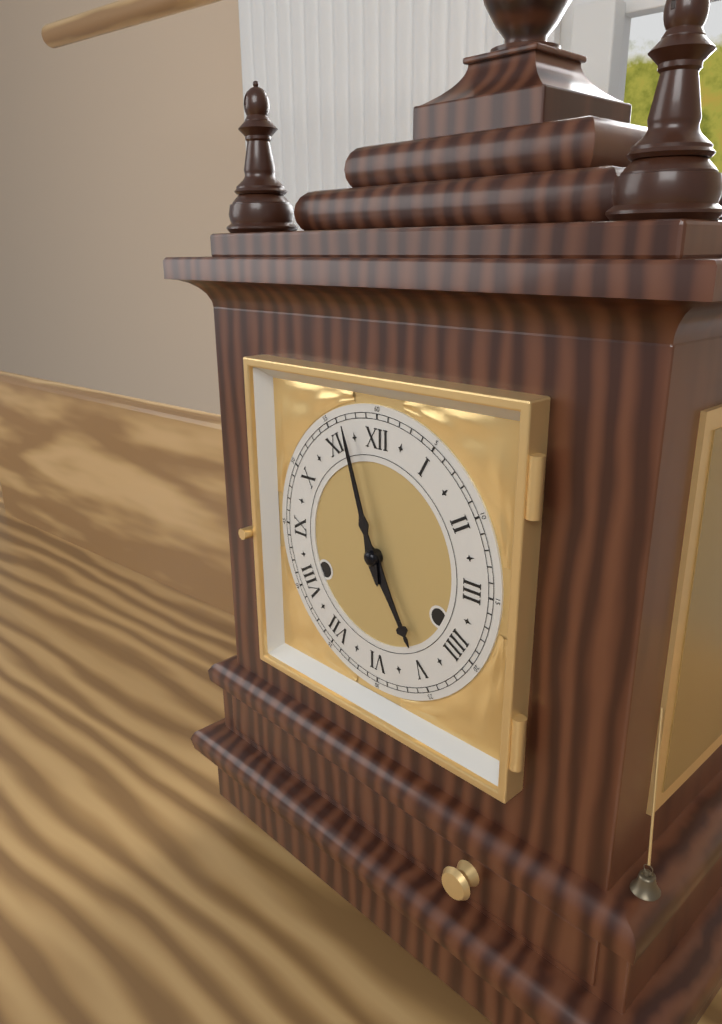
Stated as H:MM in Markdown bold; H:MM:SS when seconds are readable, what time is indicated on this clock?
**4:57**
